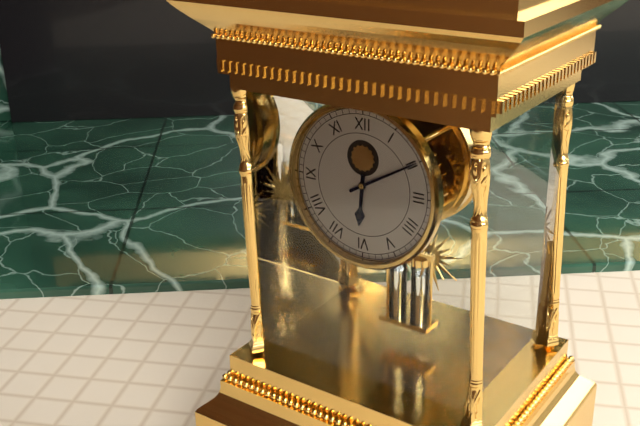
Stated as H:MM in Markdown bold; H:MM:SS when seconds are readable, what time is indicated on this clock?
**6:10**
